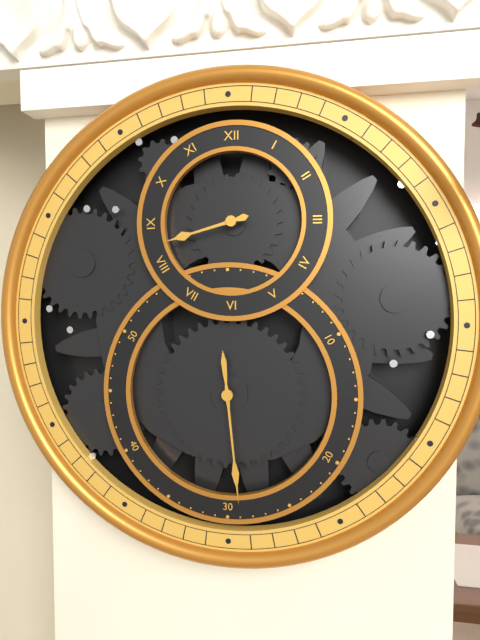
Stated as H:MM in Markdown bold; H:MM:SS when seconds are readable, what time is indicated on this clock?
**8:29**
